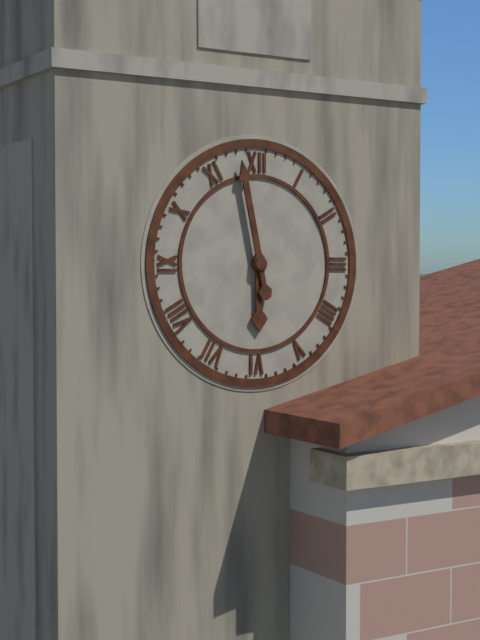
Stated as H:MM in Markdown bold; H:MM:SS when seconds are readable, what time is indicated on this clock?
**5:58**
